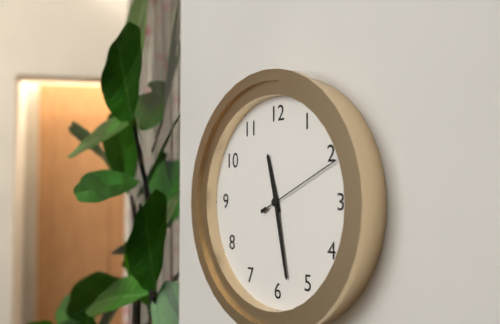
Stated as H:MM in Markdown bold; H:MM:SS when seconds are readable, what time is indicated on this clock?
**11:28:11**
